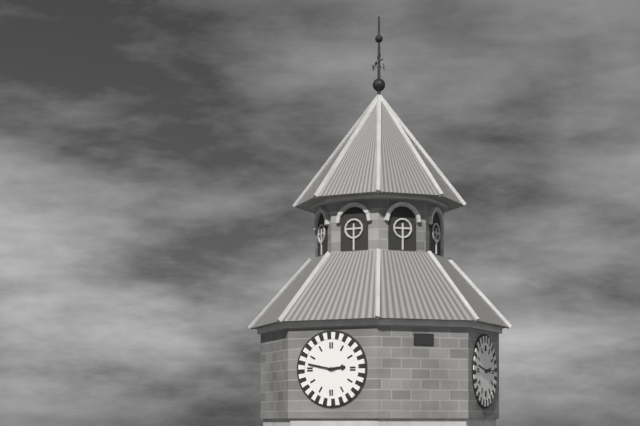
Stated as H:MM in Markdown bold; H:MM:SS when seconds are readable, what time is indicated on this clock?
**2:47**
